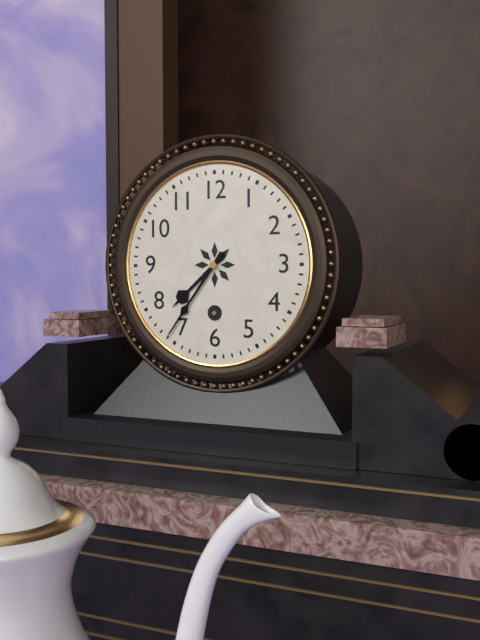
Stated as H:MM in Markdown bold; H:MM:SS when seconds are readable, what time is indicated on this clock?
**7:36**
